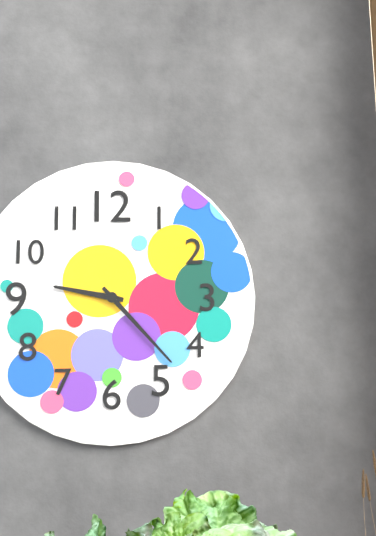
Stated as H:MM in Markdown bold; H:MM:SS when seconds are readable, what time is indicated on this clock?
**9:23**
